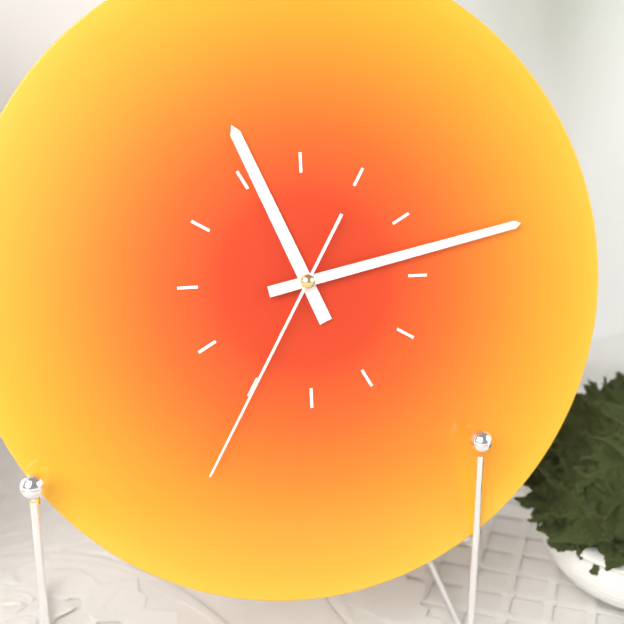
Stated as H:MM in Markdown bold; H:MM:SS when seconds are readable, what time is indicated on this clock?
**11:13:35**
